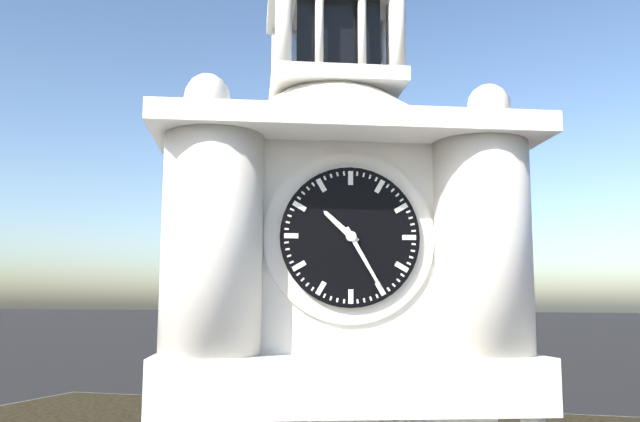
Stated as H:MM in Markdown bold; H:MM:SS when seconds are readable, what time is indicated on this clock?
**10:25**
